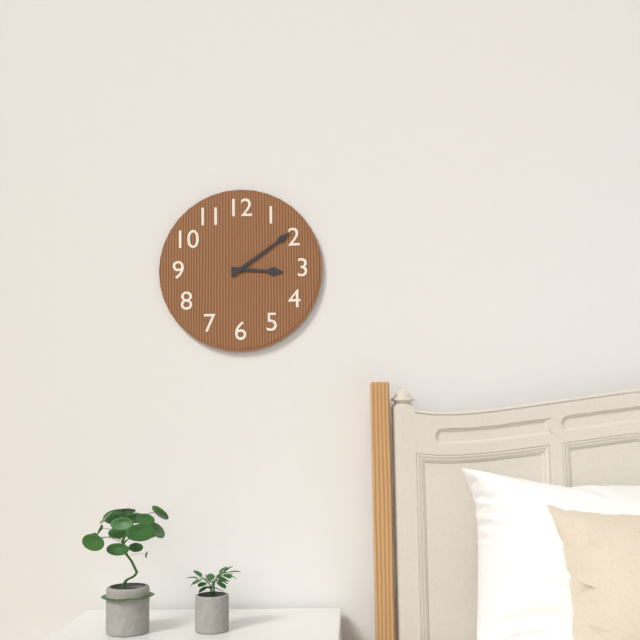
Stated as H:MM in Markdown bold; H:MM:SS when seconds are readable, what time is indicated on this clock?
**3:09**
